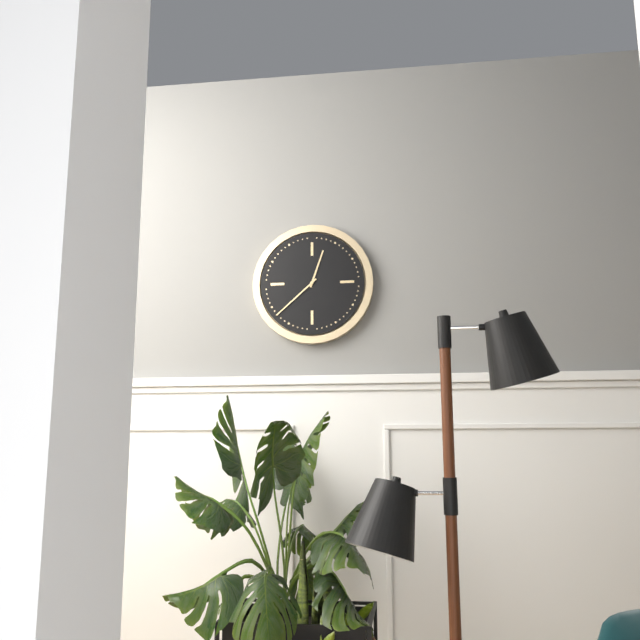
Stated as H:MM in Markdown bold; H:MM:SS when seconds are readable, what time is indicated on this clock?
**12:38**
